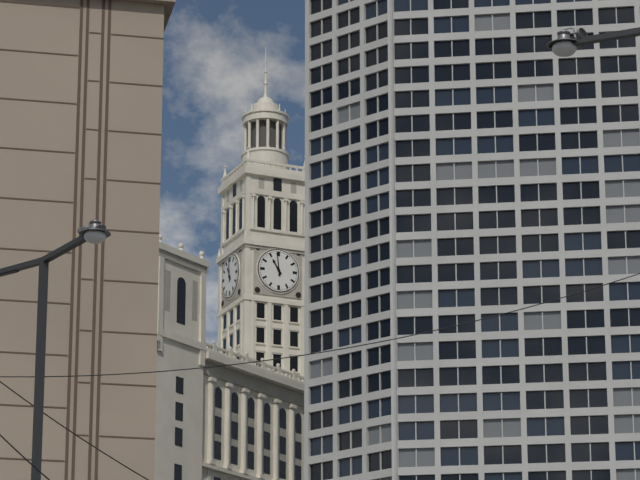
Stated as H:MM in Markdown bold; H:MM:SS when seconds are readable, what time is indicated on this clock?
**10:59**
